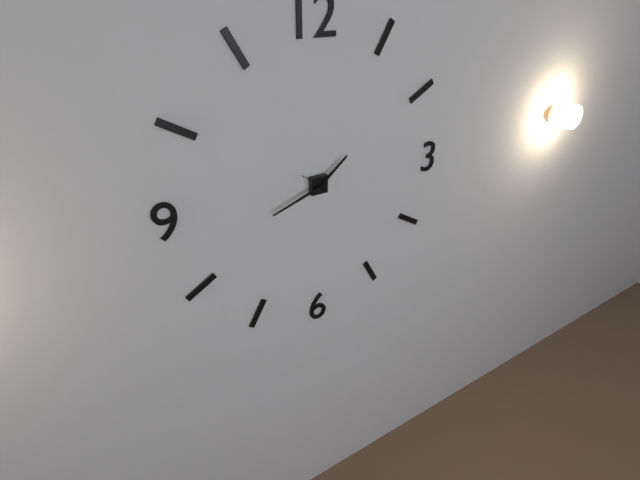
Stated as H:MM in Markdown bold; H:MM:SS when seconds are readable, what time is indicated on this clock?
**1:42**
